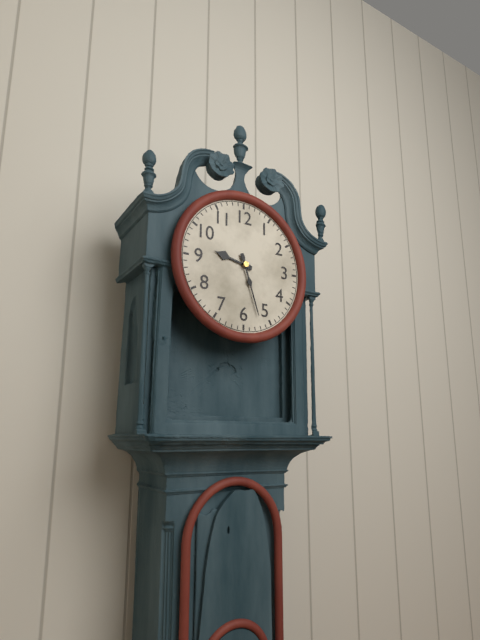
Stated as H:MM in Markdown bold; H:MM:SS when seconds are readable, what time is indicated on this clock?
**9:27**
